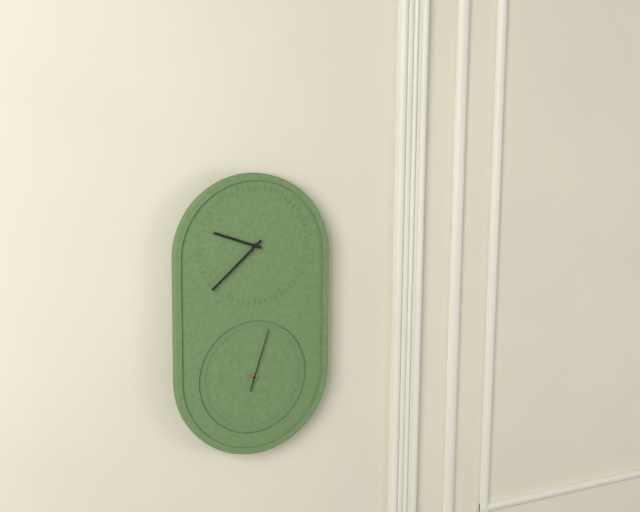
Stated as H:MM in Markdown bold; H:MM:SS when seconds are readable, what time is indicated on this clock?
**9:38:03**
